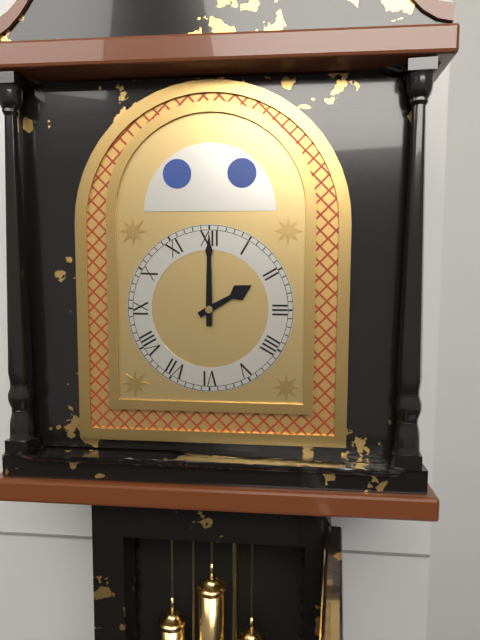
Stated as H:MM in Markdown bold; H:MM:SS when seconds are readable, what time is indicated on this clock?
**2:00**
